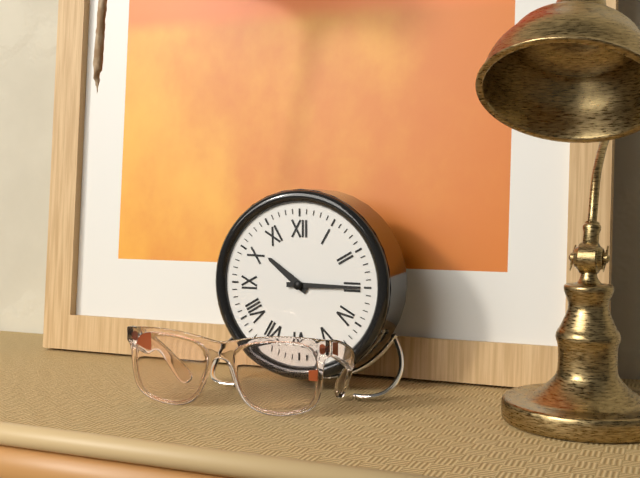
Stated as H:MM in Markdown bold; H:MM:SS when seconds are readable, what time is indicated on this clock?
**10:15**
